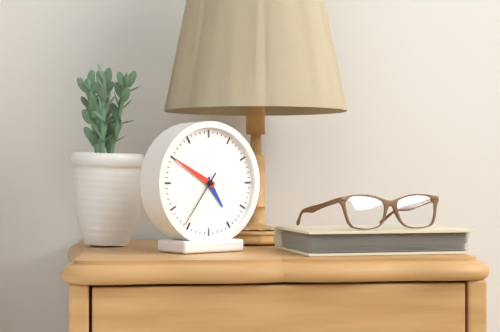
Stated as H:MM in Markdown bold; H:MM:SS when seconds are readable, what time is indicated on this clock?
**4:50:36**
